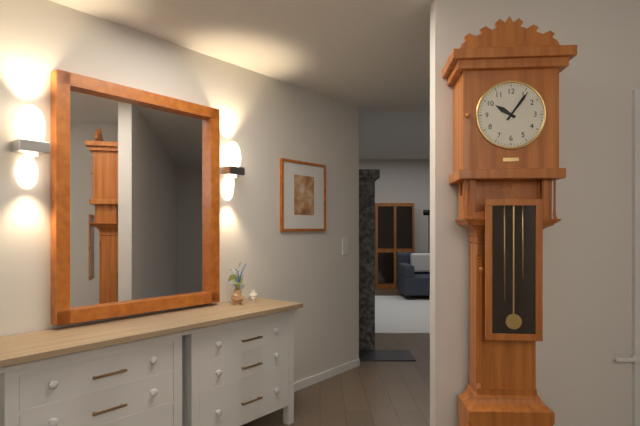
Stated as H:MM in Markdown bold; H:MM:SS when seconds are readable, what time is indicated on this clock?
**10:06**
